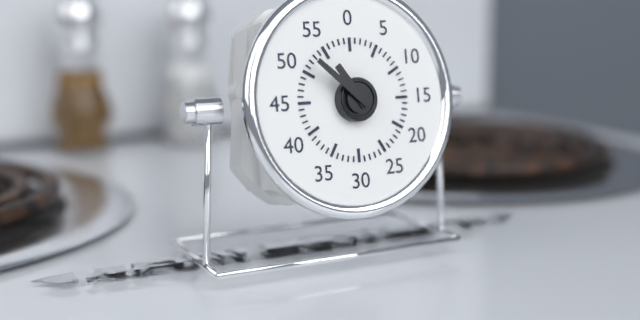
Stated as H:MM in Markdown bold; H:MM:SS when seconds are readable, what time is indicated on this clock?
**10:52**
